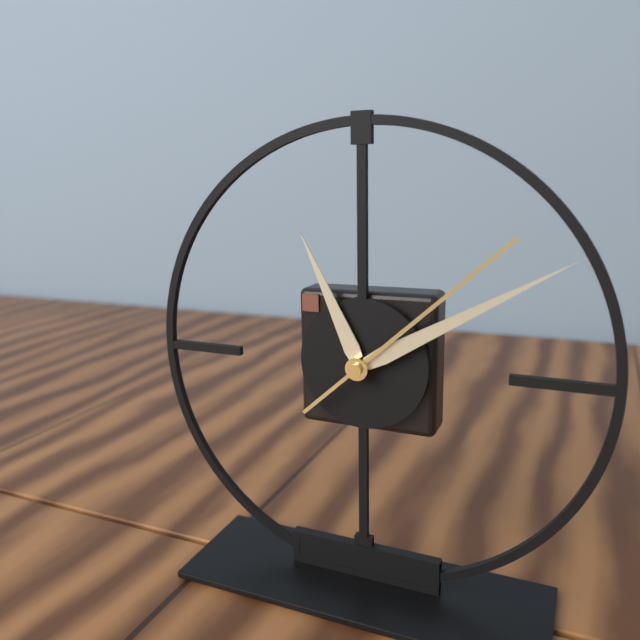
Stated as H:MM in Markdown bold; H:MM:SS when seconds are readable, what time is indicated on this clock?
**11:10:08**
